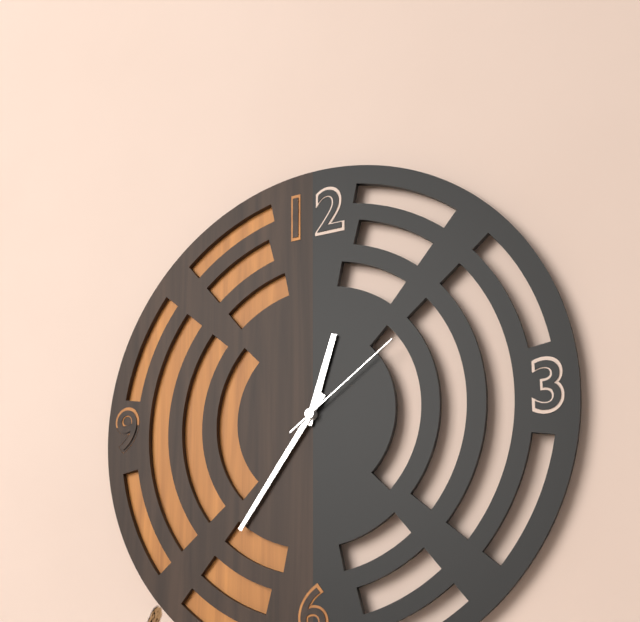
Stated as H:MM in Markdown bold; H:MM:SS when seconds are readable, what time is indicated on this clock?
**12:36:09**
